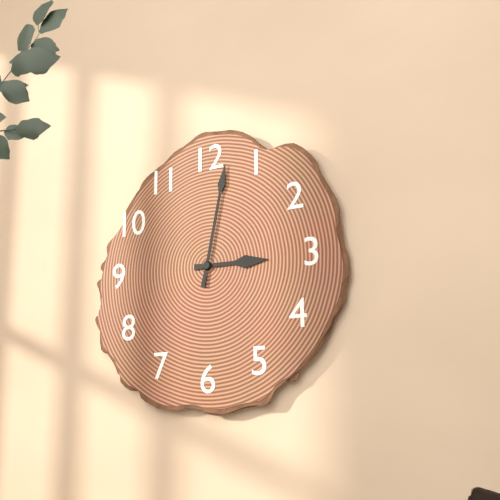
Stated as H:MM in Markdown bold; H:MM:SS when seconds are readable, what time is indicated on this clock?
**3:02**
